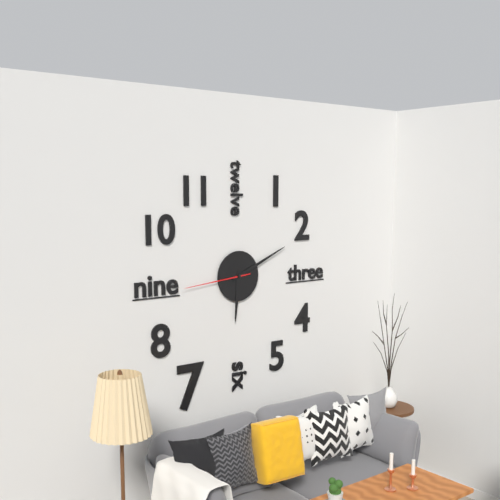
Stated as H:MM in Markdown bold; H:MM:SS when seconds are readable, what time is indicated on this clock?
**6:11:44**
